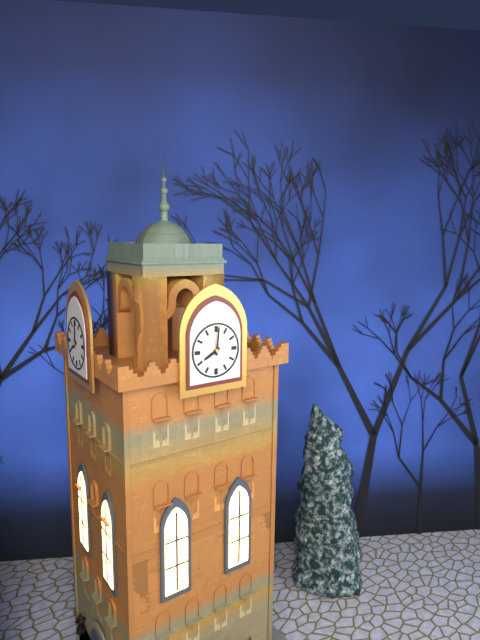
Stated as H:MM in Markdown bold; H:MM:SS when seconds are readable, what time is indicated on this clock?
**8:01**
